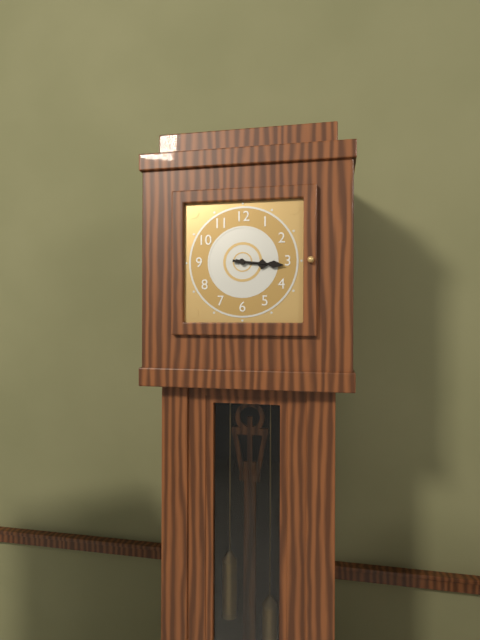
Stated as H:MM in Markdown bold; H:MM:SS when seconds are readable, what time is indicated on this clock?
**3:16**
